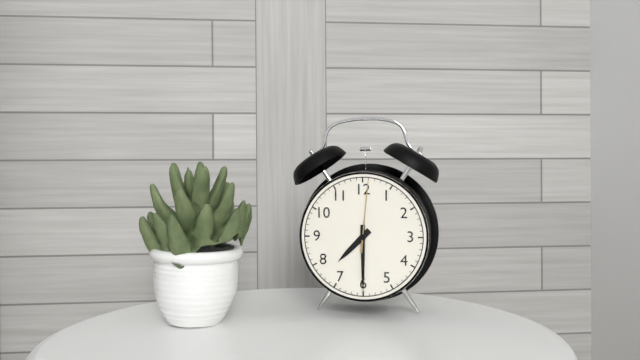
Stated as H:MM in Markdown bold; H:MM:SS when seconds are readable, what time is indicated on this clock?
**7:30:01**
